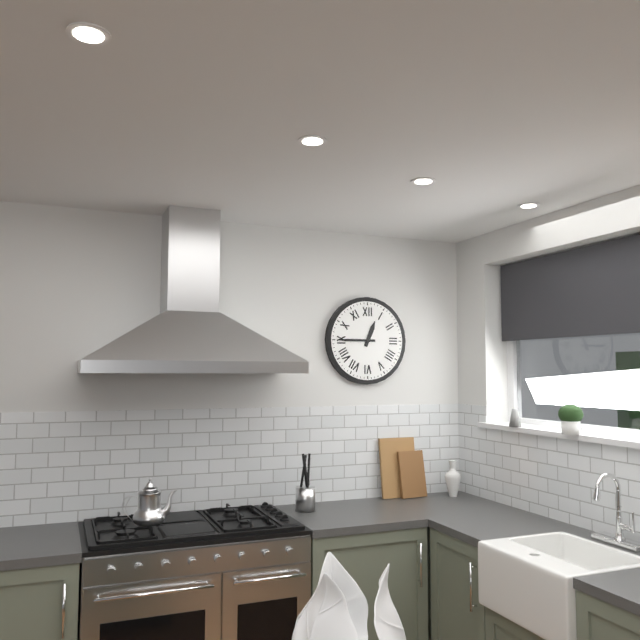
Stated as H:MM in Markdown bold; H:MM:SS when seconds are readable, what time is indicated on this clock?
**12:45**
